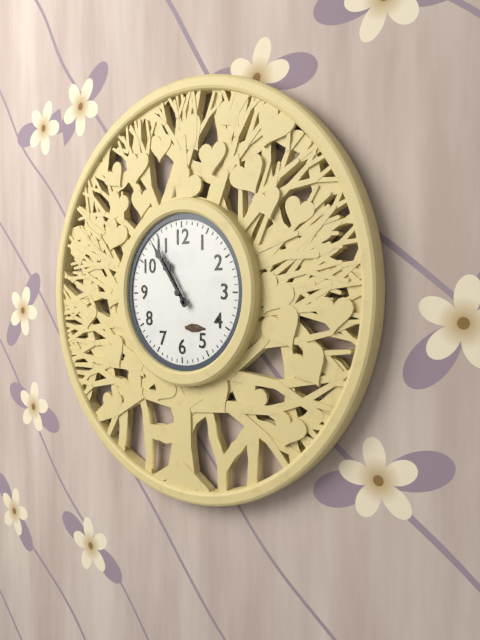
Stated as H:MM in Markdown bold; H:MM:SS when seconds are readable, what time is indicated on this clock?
**10:54**
